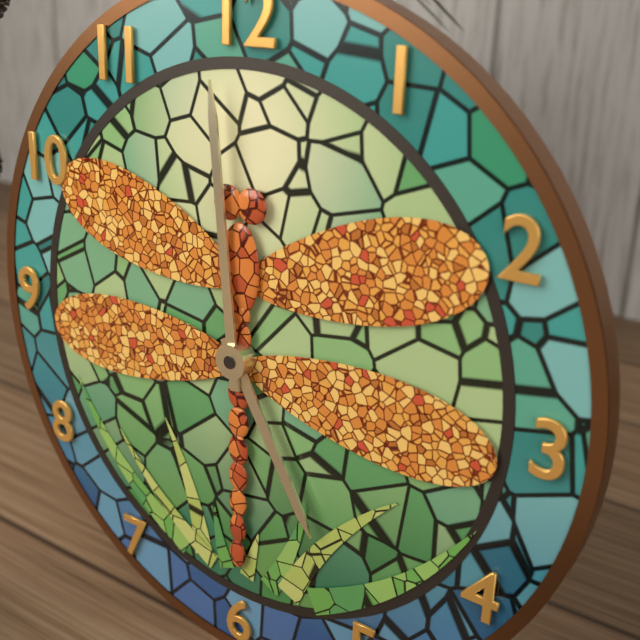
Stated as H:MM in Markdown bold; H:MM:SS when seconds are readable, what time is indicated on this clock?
**4:59**
